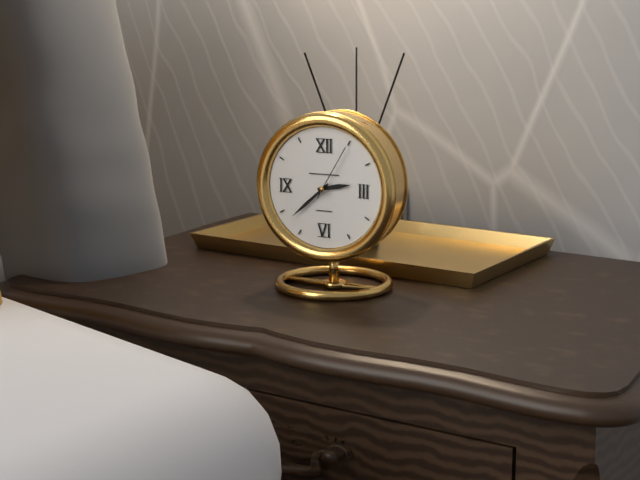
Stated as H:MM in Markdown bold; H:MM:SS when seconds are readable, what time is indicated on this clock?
**2:38:05**
